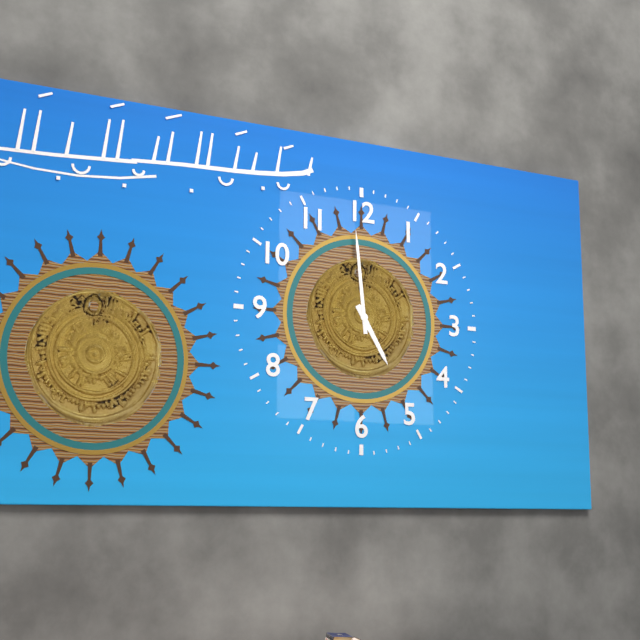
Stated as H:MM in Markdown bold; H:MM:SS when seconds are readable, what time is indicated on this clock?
**4:59**
